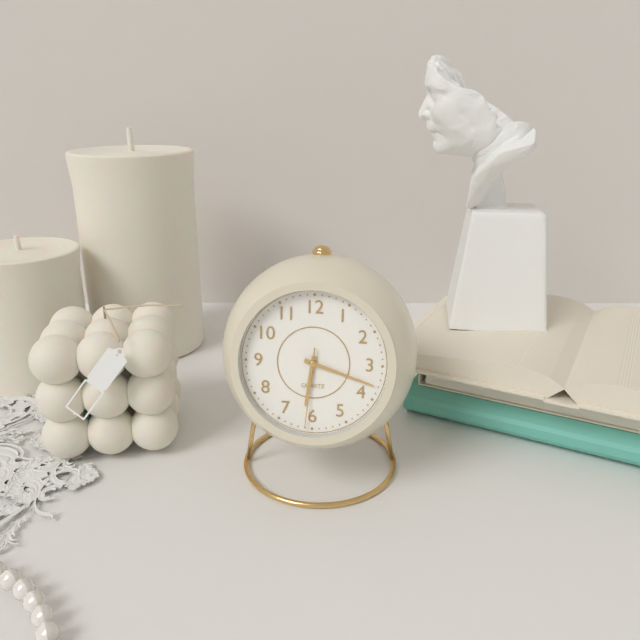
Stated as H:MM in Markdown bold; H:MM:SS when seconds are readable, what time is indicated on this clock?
**6:18:31**
